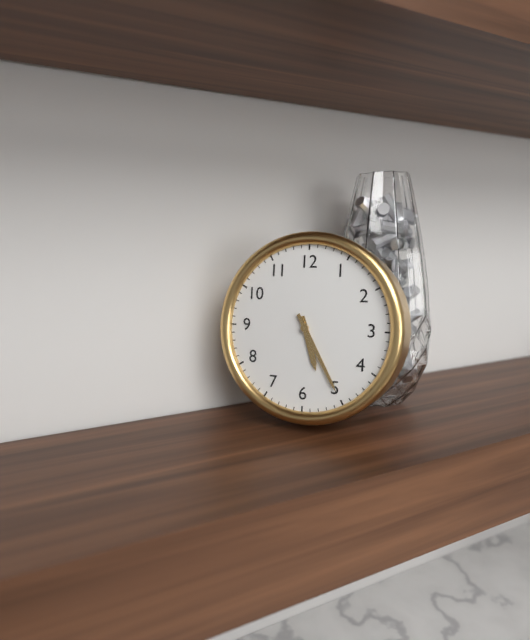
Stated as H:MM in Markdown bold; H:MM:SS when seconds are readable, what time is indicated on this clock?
**5:25**
